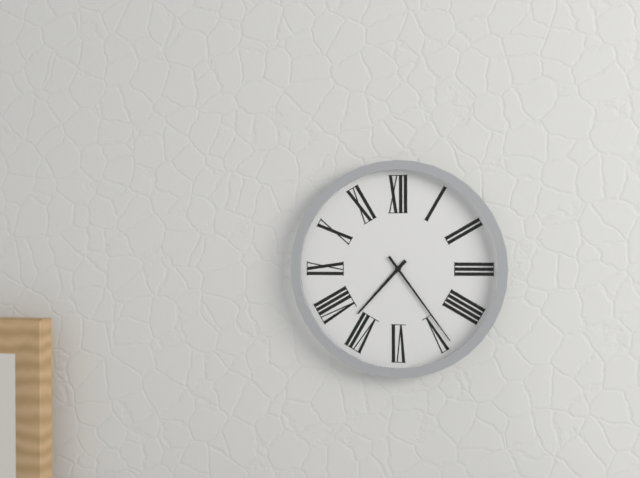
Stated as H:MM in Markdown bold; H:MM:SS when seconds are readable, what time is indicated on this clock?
**7:24**
